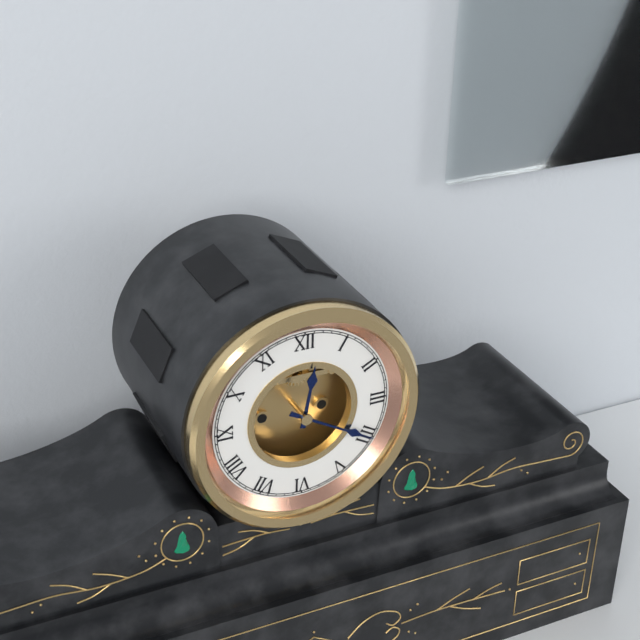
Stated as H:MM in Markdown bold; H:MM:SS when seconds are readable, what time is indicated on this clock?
**12:20**
